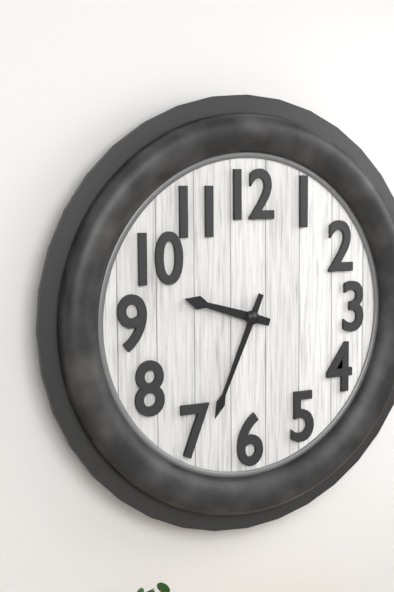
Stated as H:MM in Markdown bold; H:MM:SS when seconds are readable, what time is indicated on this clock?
**9:34**
